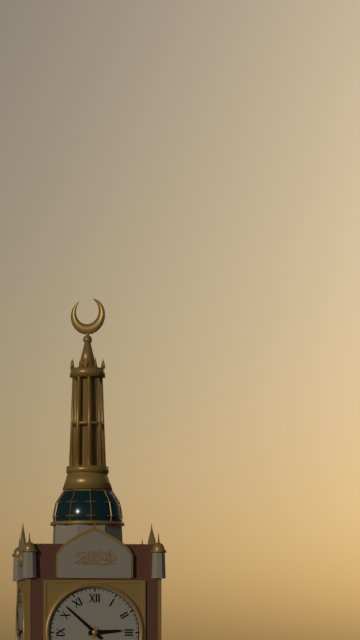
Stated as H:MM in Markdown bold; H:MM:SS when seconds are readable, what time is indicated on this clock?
**2:52**
